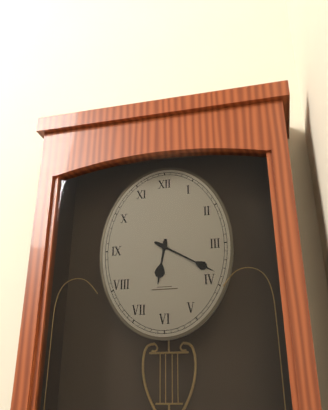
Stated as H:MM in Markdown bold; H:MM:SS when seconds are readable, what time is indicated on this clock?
**6:20**
